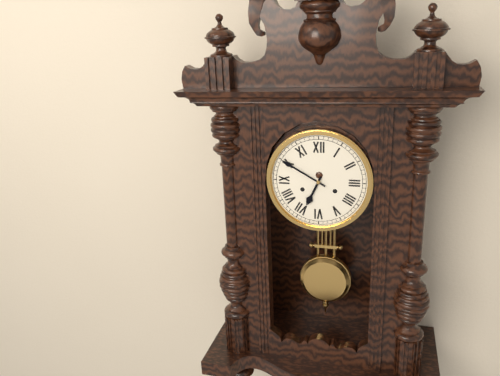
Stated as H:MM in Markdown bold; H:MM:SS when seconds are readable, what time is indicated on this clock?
**6:50**
